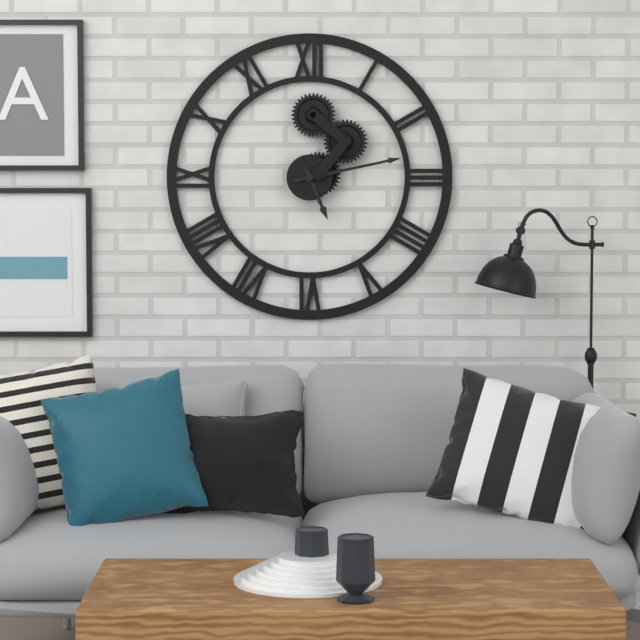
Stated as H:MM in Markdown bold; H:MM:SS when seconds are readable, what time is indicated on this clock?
**5:13**
